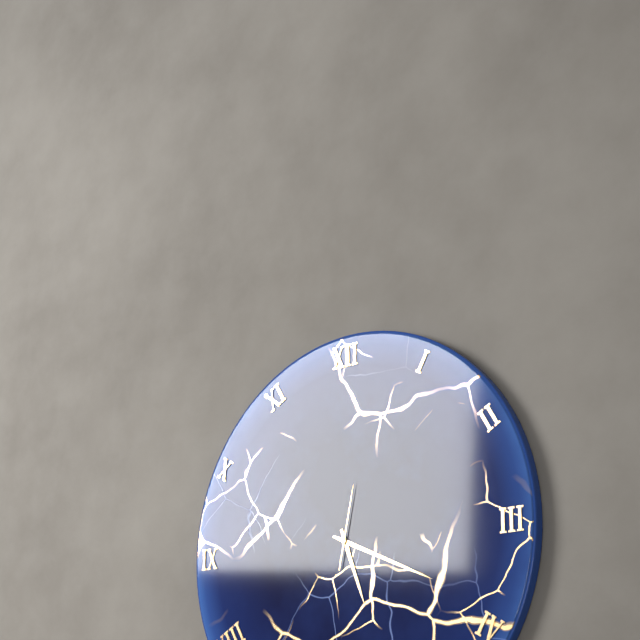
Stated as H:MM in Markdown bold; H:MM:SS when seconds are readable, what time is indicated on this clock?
**5:19:02**
